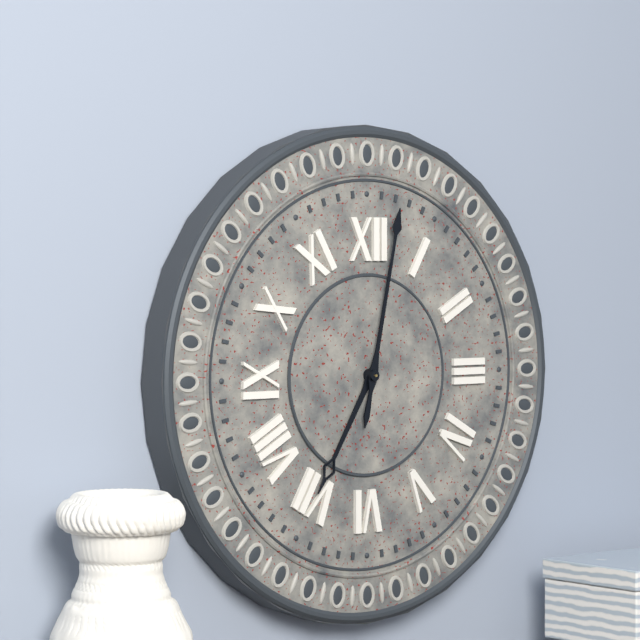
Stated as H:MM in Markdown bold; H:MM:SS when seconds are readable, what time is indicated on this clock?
**7:02**
